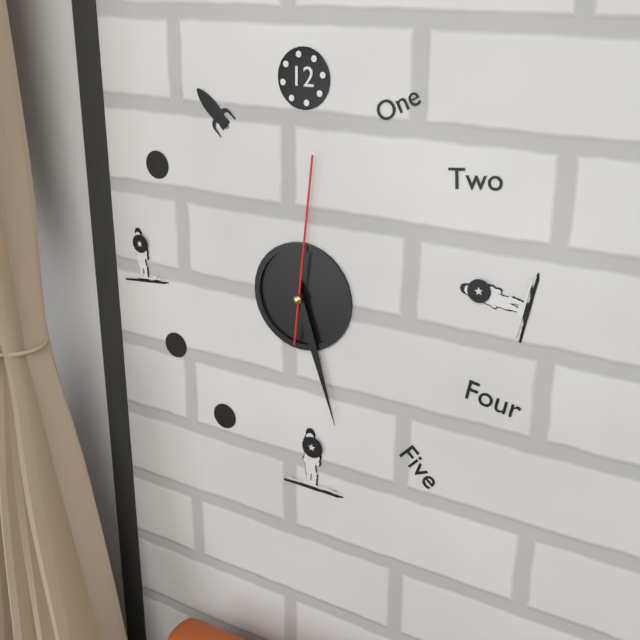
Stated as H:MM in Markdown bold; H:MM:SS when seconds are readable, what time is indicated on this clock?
**5:27:01**
